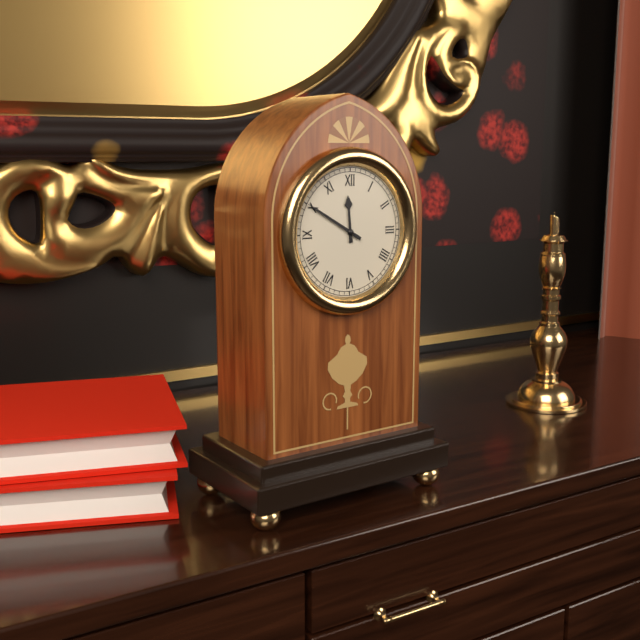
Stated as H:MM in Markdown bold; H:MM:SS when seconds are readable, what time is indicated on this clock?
**11:50**
